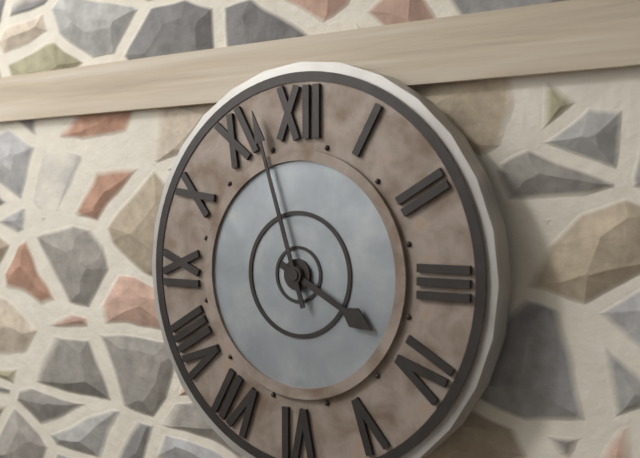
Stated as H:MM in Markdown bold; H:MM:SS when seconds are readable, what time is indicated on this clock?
**3:57**
